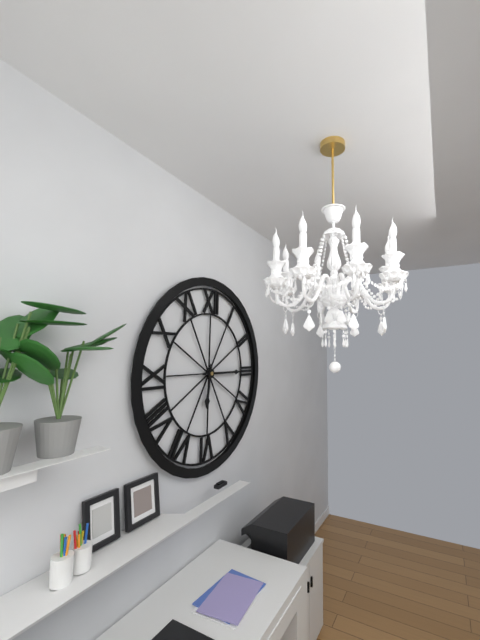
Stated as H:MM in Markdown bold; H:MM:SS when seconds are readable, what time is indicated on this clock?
**6:15**
